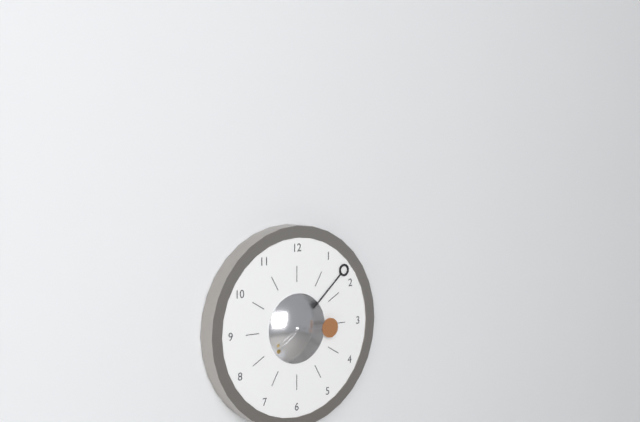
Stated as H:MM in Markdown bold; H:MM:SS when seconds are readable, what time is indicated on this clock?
**3:08**
